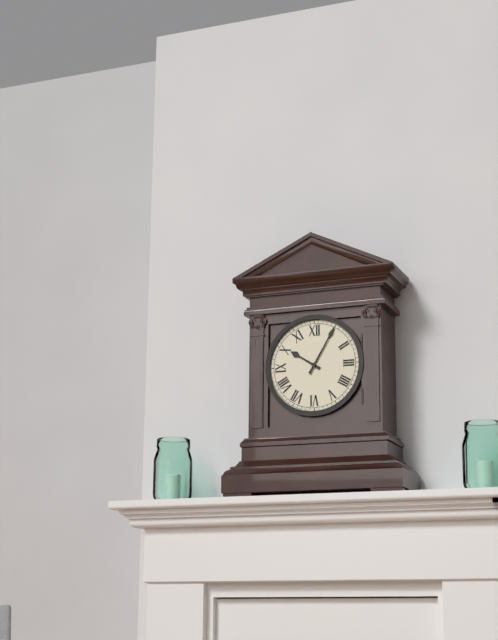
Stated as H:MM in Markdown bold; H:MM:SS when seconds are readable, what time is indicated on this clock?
**10:05**
